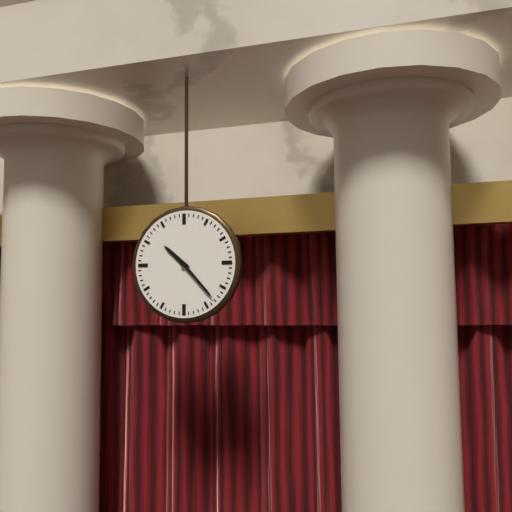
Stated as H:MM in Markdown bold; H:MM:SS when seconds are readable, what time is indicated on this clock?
**10:23**
